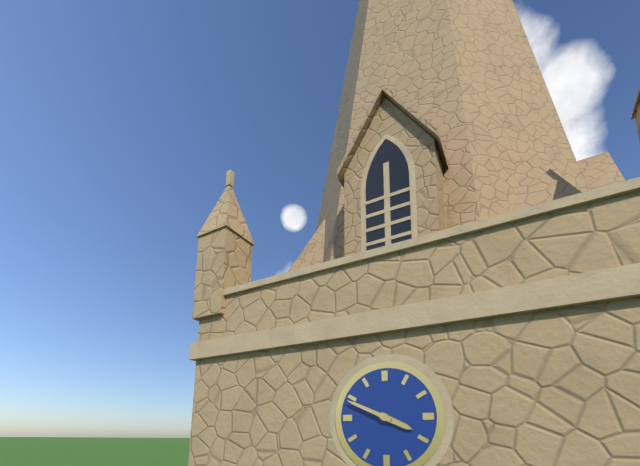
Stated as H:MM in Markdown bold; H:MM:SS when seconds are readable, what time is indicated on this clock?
**3:49**
